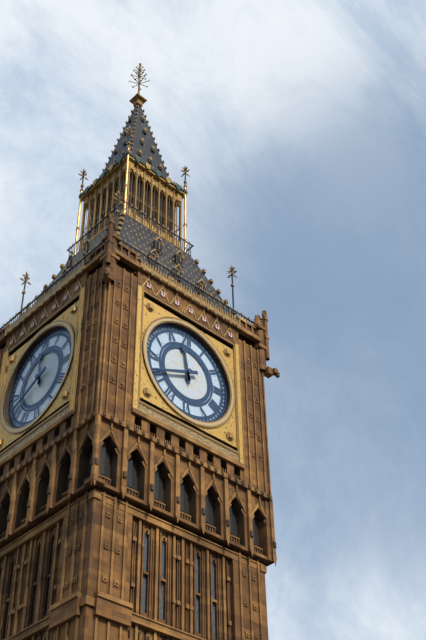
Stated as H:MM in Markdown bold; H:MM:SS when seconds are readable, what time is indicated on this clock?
**11:41**
